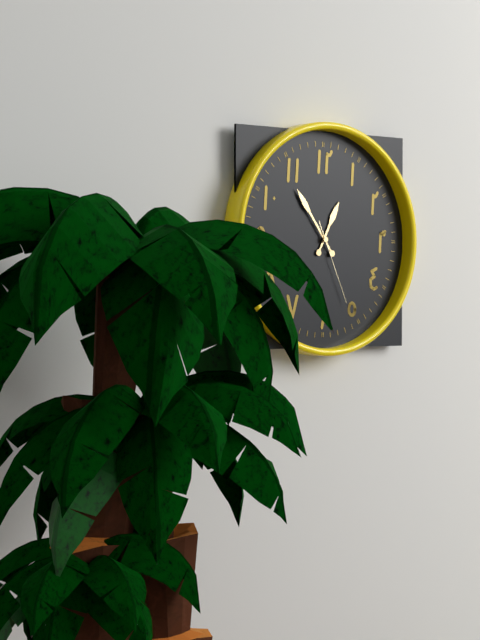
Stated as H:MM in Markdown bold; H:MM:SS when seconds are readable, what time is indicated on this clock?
**12:54:26**
